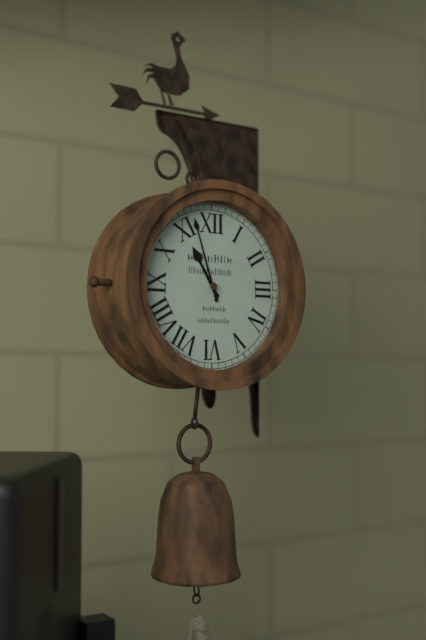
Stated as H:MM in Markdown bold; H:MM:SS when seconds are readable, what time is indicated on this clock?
**10:57**
